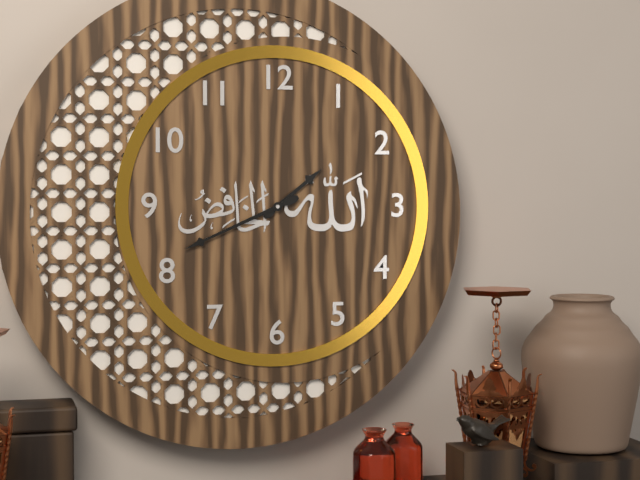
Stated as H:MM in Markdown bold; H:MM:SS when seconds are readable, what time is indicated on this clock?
**1:41**
